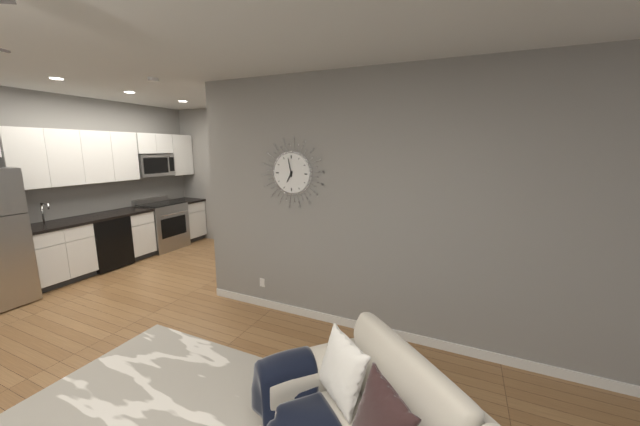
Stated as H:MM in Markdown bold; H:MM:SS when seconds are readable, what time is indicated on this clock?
**6:58**
